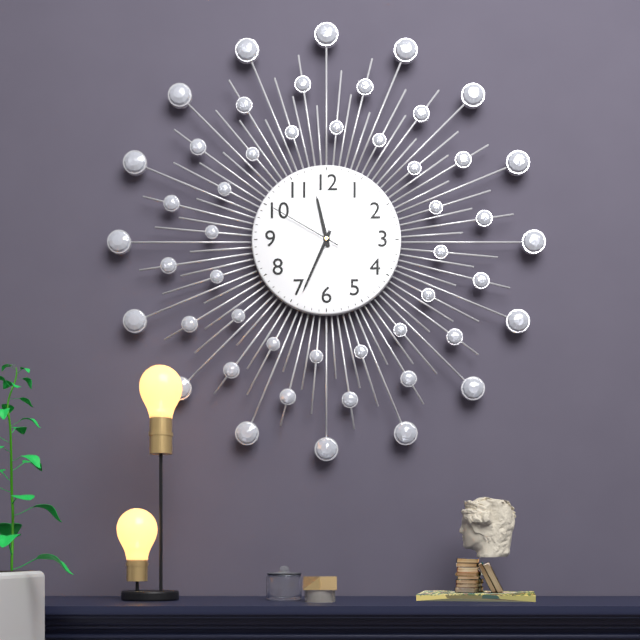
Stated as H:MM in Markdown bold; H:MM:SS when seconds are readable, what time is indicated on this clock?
**11:34:50**
